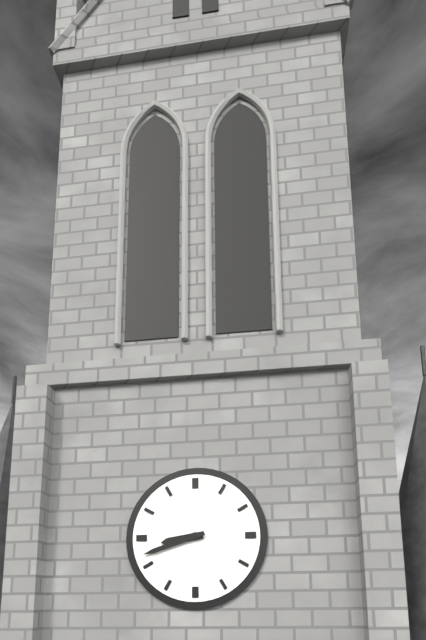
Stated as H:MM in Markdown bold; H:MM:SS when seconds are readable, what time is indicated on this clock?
**8:42**
